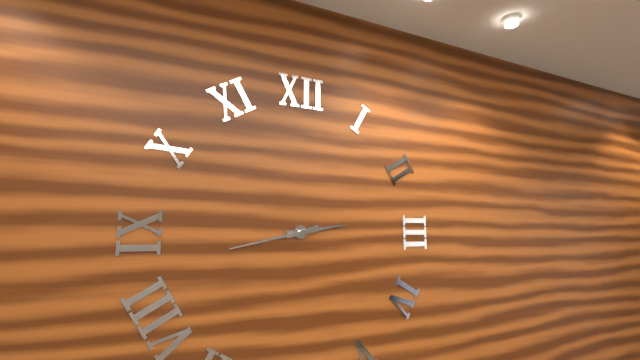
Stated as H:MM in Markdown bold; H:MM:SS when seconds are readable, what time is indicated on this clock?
**2:43**
